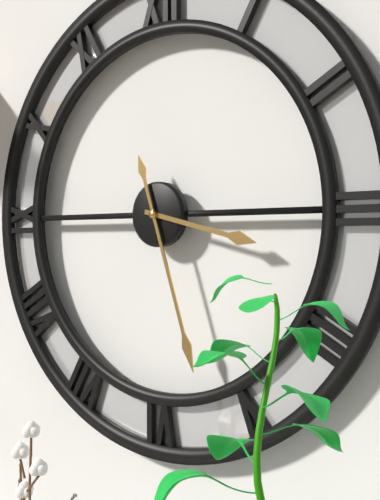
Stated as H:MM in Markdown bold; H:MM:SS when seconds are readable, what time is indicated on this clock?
**3:27**
